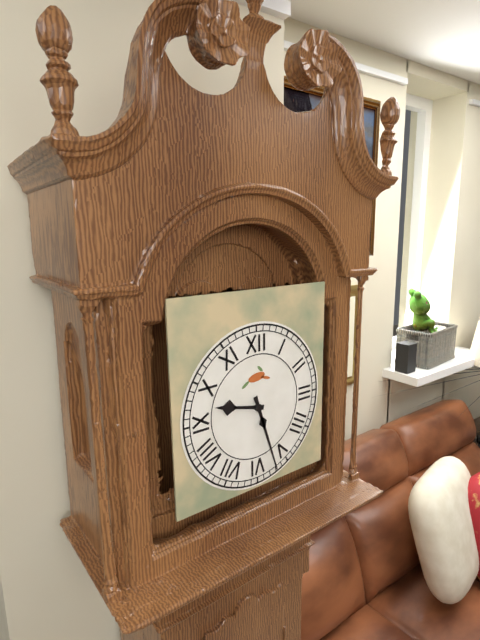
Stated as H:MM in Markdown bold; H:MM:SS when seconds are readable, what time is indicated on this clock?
**9:27**
